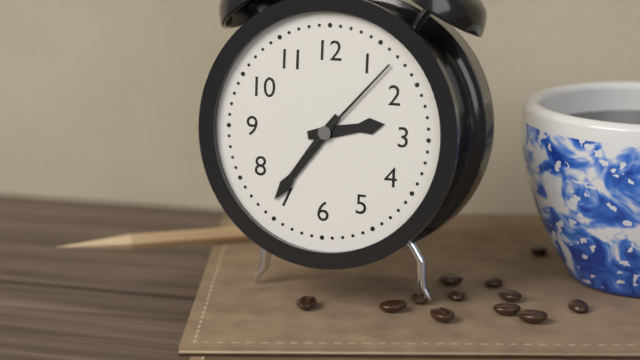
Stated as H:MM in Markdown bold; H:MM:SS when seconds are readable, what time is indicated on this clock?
**2:36:07**
